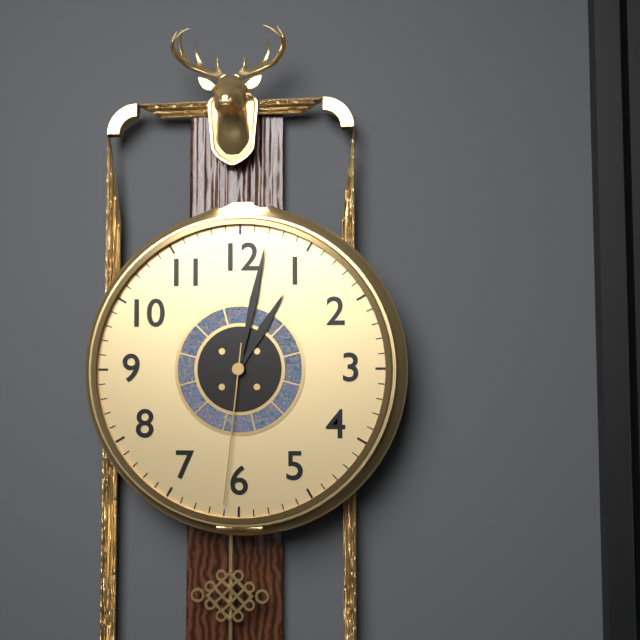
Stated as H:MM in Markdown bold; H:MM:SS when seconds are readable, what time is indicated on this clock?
**1:02:31**
